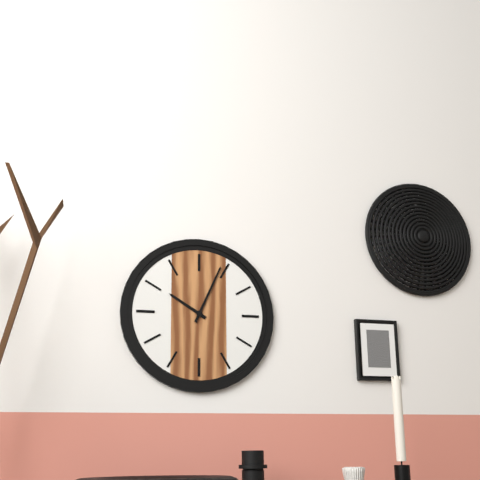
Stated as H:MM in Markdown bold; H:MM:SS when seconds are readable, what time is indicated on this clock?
**10:04**
